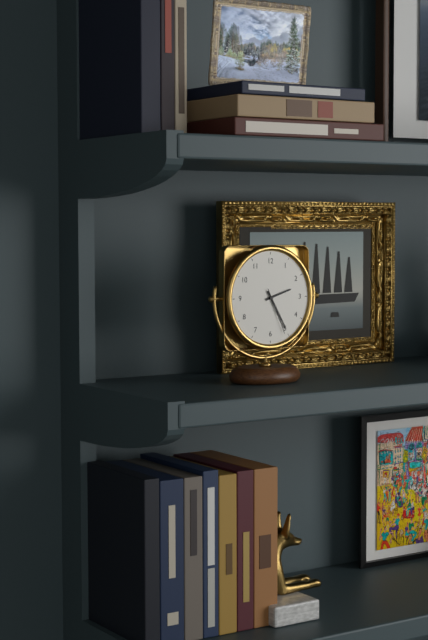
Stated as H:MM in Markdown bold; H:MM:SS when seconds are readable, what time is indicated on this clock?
**2:25**
